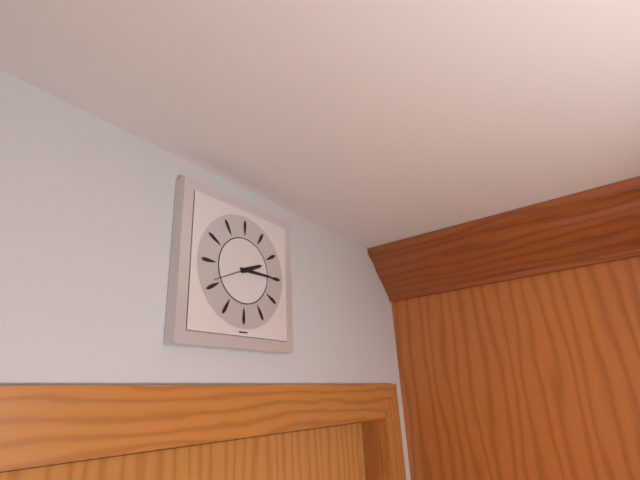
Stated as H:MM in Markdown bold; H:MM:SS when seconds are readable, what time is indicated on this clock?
**2:15**
